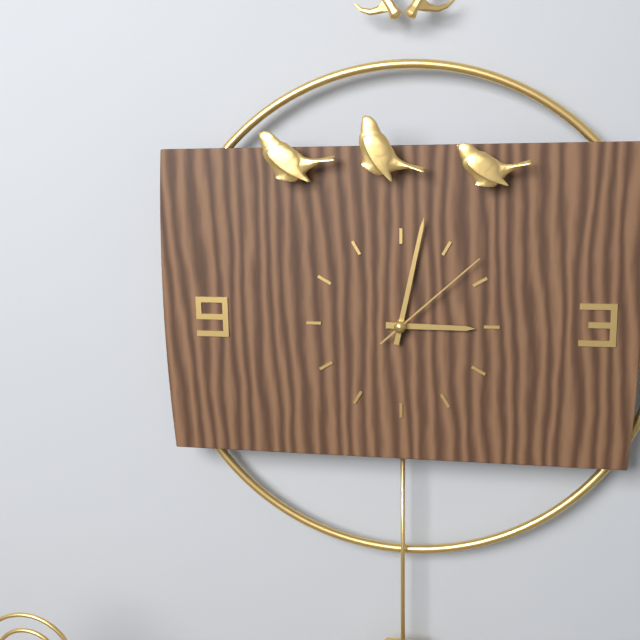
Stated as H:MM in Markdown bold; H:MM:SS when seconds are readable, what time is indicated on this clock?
**3:02:08**
